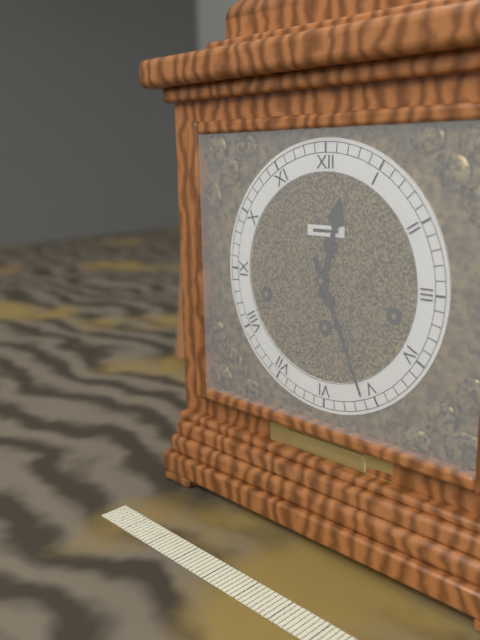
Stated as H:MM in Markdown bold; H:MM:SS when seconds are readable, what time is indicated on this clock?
**12:26**
